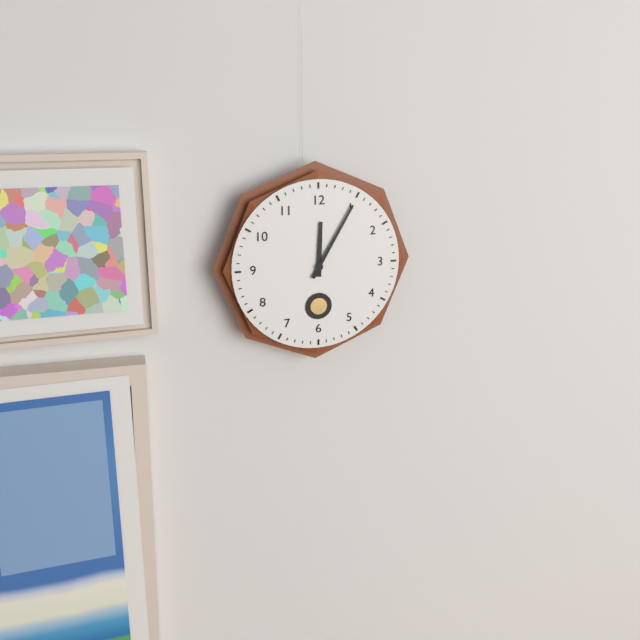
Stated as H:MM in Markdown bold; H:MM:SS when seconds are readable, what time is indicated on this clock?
**12:05**
